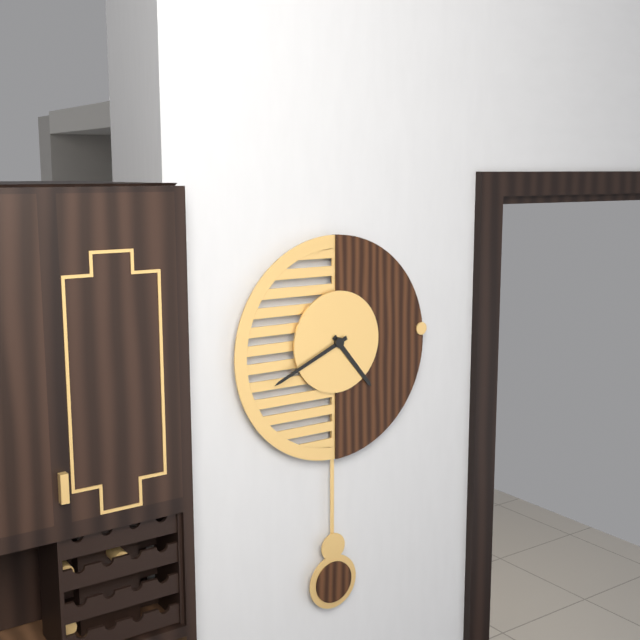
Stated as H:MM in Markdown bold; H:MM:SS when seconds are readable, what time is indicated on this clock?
**4:41**
